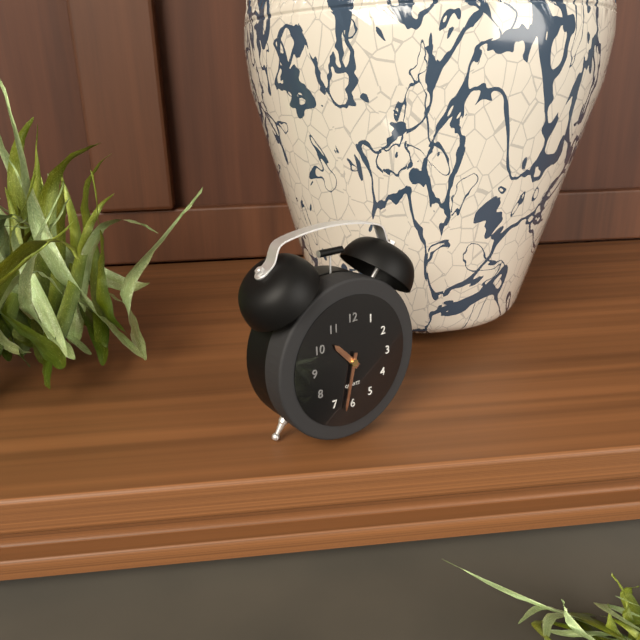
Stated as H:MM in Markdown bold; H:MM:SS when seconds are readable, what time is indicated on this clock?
**10:32**
